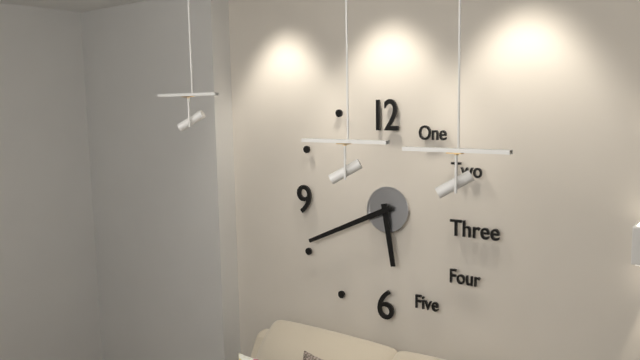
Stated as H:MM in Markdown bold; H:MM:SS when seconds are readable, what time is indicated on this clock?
**5:41**
